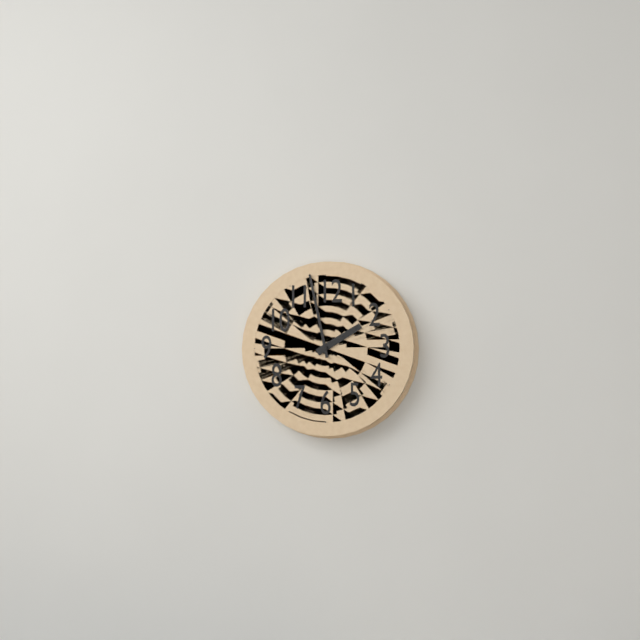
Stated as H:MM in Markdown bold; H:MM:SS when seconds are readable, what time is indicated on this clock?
**1:58**
